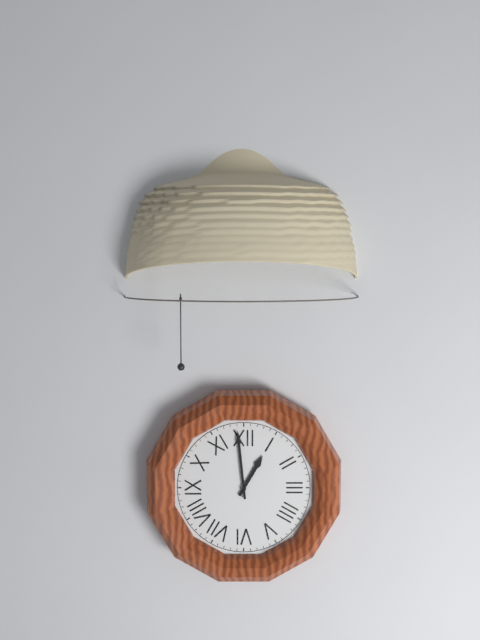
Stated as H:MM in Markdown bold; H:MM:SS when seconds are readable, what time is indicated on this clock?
**12:59**
